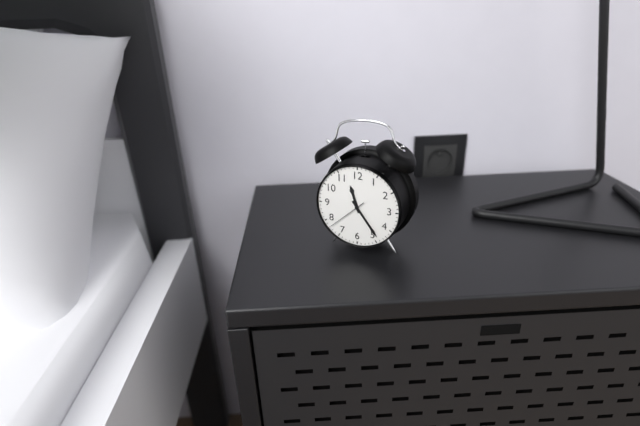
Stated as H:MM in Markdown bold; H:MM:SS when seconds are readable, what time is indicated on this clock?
**11:24**
